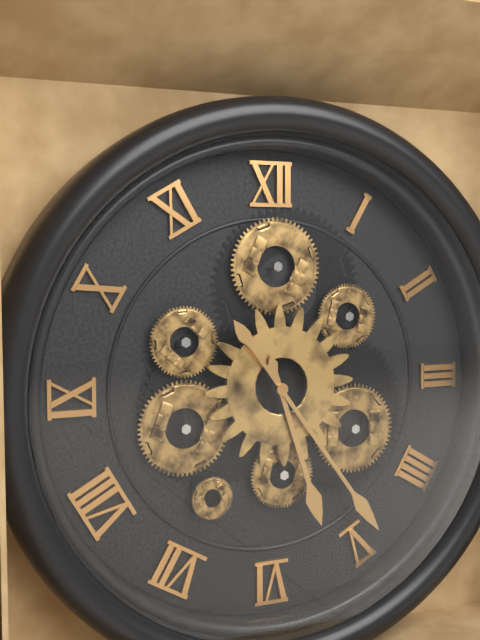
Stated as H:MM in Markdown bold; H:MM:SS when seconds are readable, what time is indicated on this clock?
**5:24**
